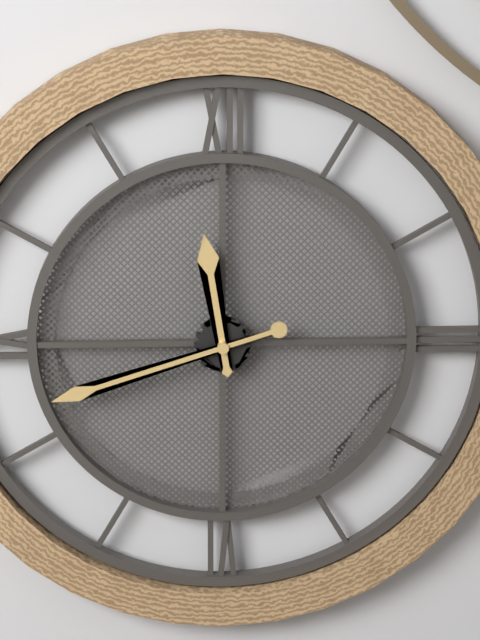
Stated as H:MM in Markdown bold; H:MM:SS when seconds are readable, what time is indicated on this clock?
**11:42**
